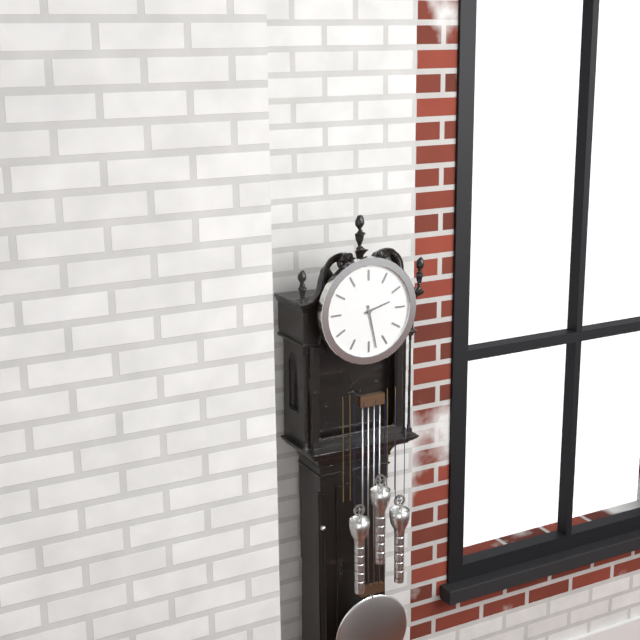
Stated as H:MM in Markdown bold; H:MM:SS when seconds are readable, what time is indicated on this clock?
**2:28**
